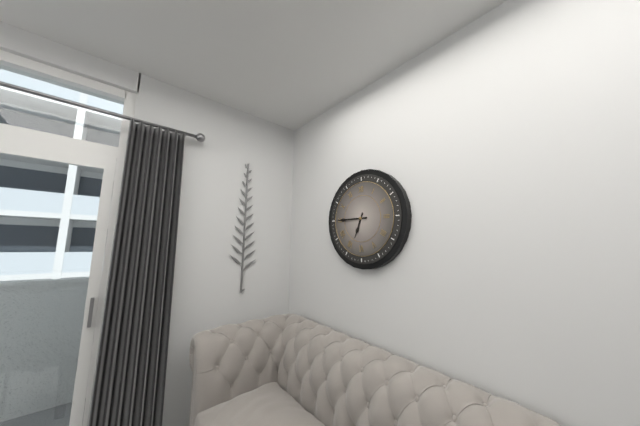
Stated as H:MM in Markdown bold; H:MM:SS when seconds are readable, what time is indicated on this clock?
**6:45**
